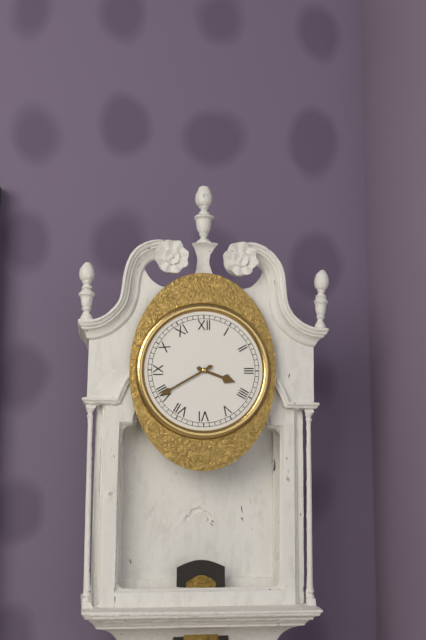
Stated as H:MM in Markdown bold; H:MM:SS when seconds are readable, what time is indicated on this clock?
**3:40**
